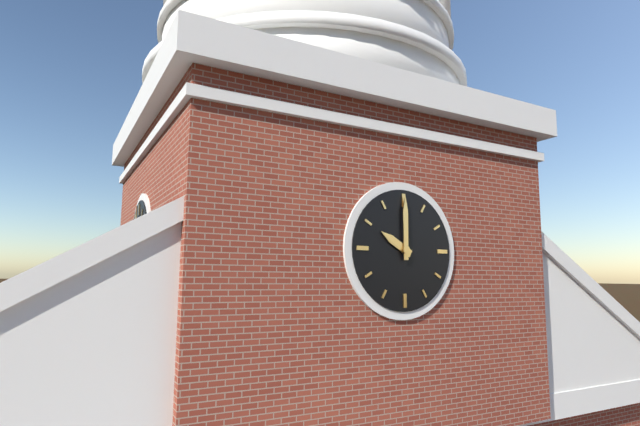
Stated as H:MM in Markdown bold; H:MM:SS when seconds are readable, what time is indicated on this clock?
**10:00**
